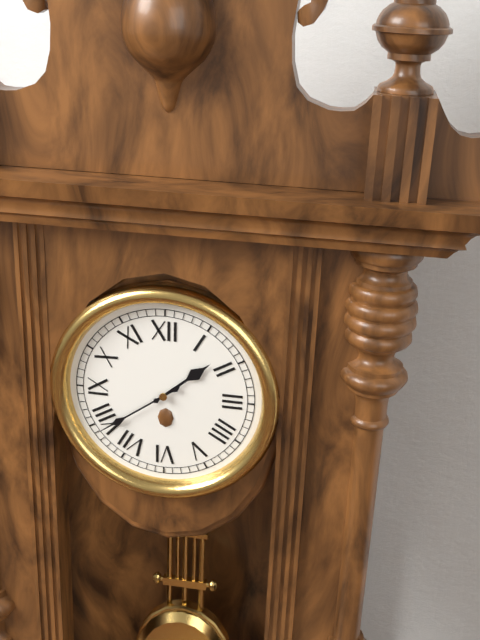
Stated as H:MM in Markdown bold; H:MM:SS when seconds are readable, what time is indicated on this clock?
**1:39**
